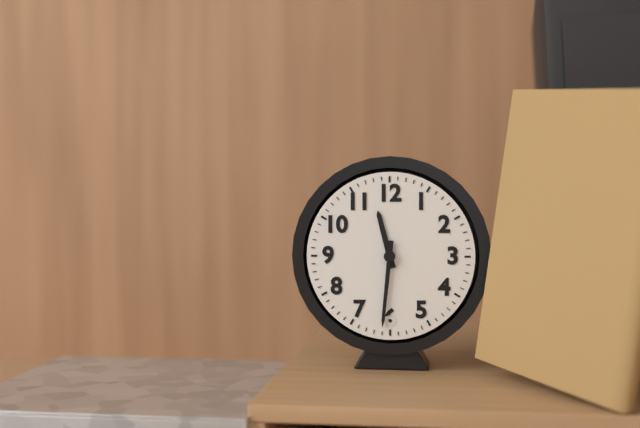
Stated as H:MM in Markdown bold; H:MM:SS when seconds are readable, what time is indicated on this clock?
**11:31**
